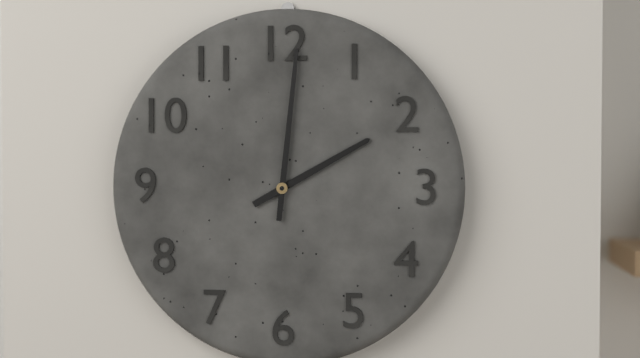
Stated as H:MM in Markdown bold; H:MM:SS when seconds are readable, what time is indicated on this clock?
**2:01**
